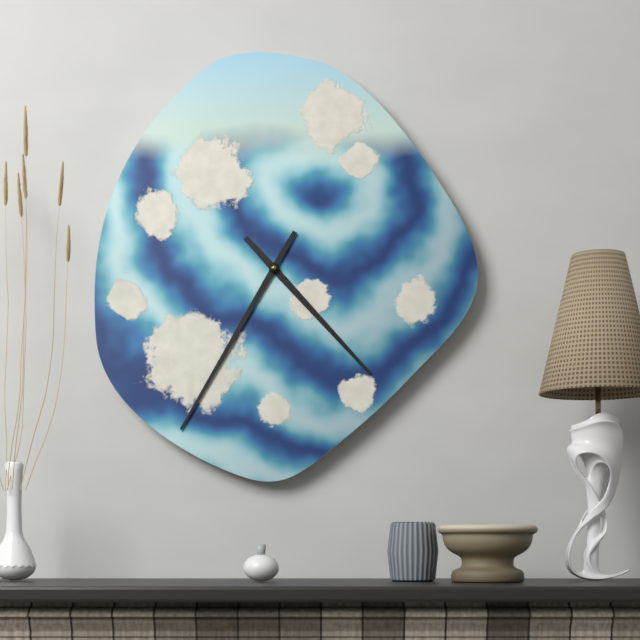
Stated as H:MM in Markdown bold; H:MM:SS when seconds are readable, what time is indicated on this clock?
**4:35**
